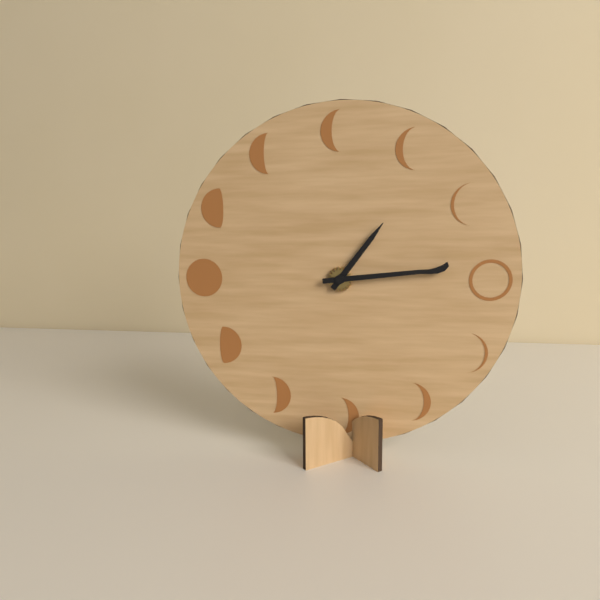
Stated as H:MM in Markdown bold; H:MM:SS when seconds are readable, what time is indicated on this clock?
**1:14**
